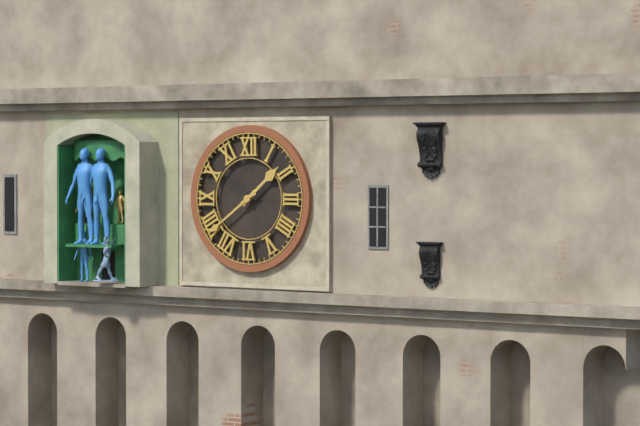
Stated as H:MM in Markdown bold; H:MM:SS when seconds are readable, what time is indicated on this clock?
**1:39**
